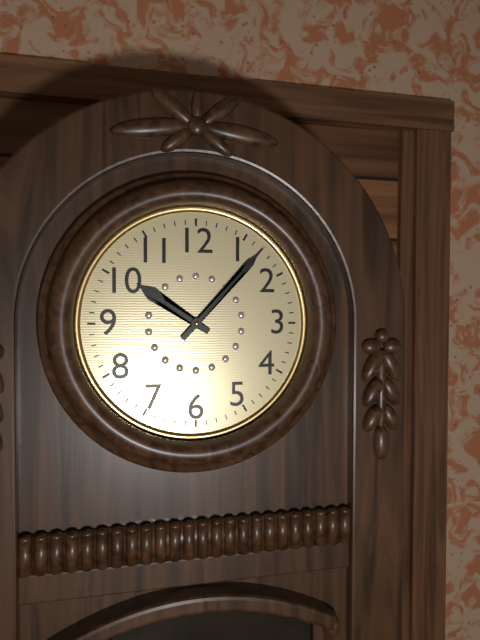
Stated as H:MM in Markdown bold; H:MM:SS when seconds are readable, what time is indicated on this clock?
**10:07**
